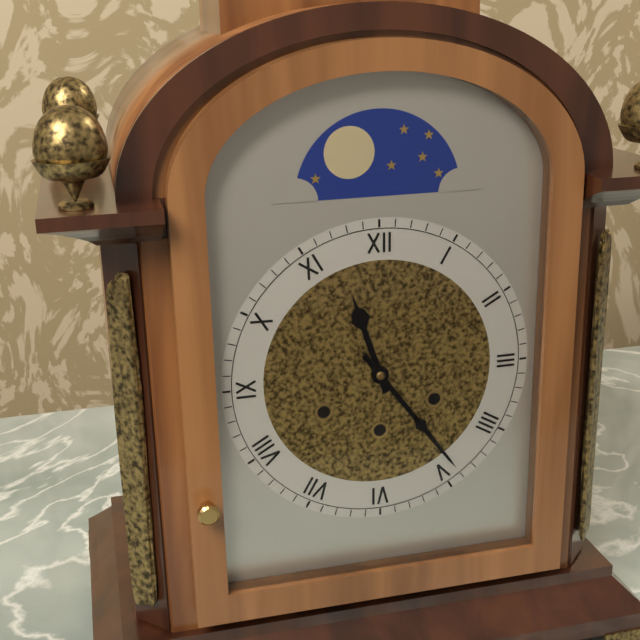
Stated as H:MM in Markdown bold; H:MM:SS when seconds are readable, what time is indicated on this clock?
**11:24**
